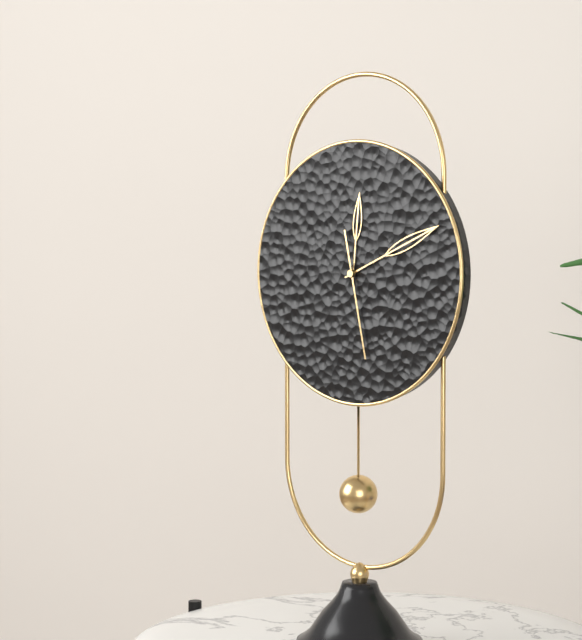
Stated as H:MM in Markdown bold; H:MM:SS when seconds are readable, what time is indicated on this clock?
**12:11:28**
